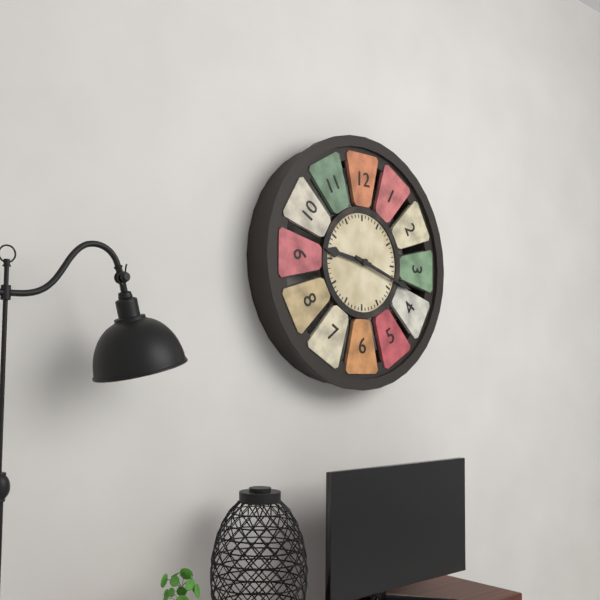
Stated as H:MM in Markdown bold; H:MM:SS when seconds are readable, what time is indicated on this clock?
**9:18**
